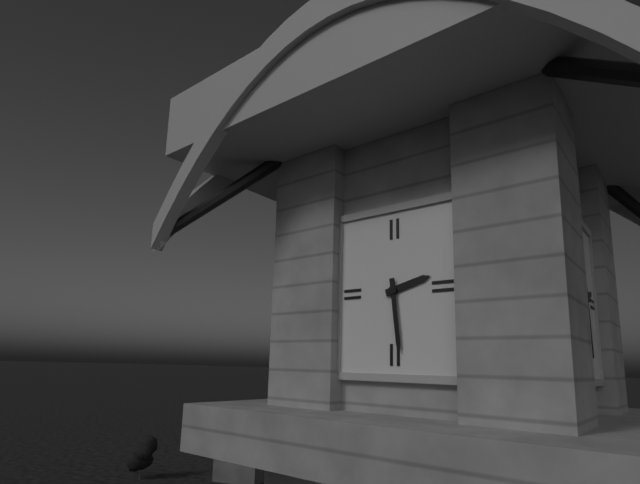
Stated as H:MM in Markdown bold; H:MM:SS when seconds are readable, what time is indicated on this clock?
**2:29**
